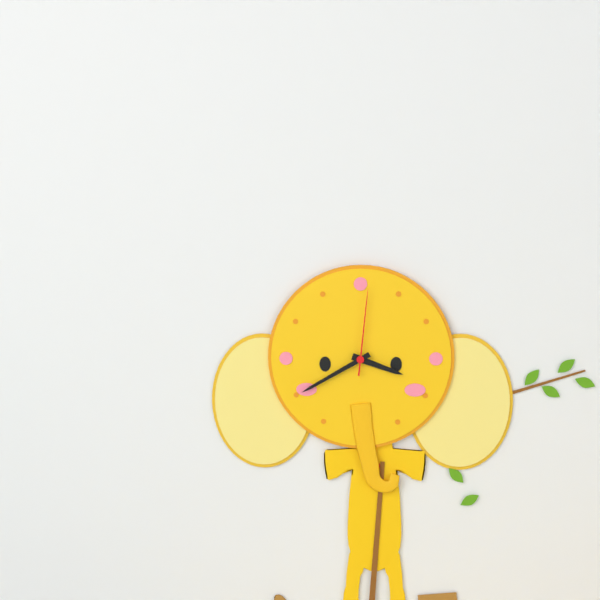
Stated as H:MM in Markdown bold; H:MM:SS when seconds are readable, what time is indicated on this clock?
**3:40:01**
